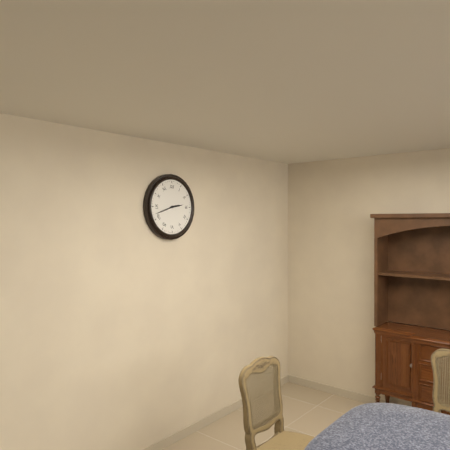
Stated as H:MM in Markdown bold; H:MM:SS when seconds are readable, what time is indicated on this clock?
**2:42**
